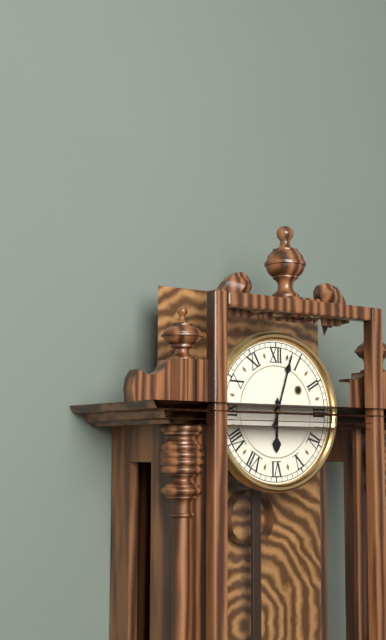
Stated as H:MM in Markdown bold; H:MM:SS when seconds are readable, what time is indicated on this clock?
**6:03**
